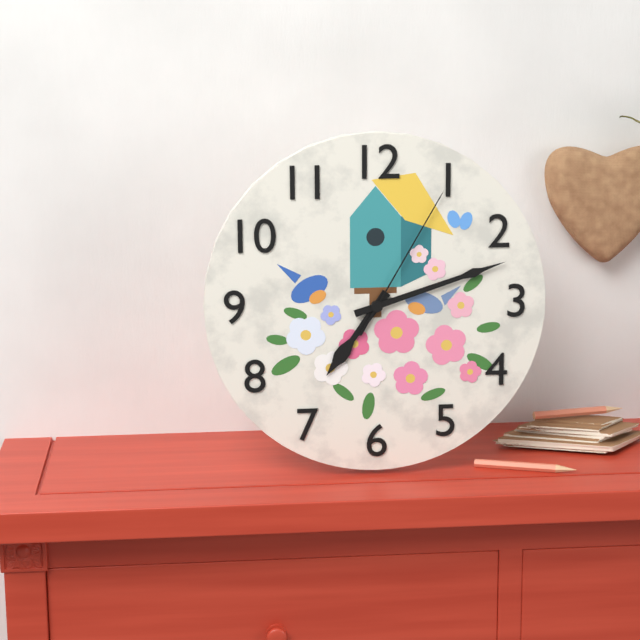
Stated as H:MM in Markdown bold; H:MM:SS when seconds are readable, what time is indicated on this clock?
**7:12:05**
